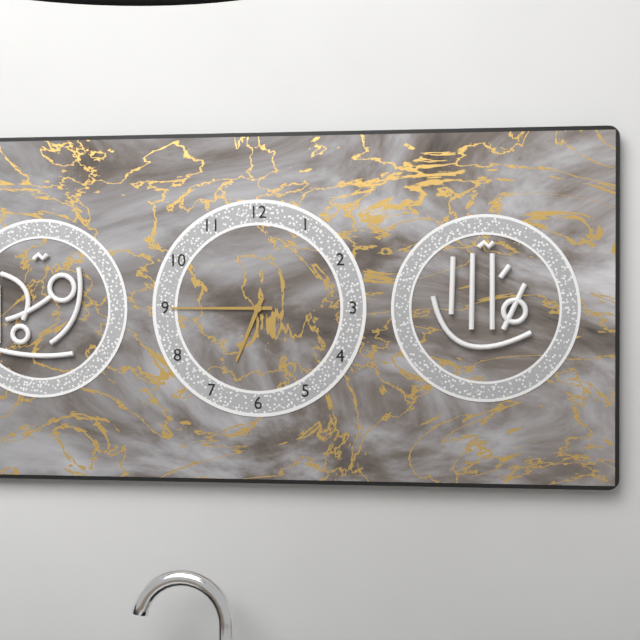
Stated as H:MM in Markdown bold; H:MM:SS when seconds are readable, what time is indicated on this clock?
**6:45**
